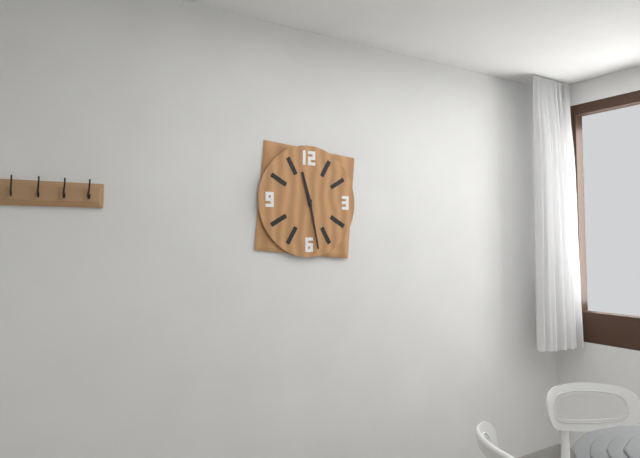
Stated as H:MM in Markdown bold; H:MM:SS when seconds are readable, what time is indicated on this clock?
**11:28**
